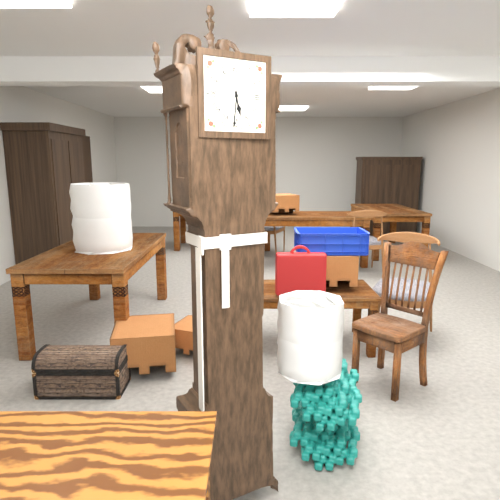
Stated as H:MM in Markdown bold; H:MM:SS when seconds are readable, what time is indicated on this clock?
**5:31**
